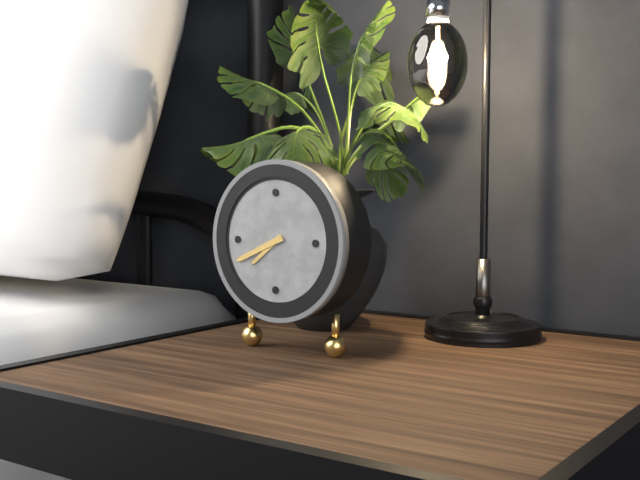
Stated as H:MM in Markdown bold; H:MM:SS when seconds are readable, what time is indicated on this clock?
**7:41**
